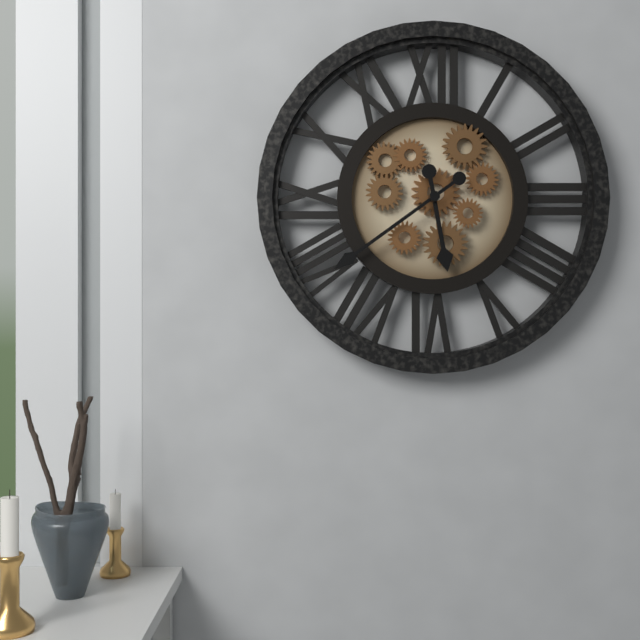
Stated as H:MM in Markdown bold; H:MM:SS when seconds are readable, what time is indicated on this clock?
**5:39**
